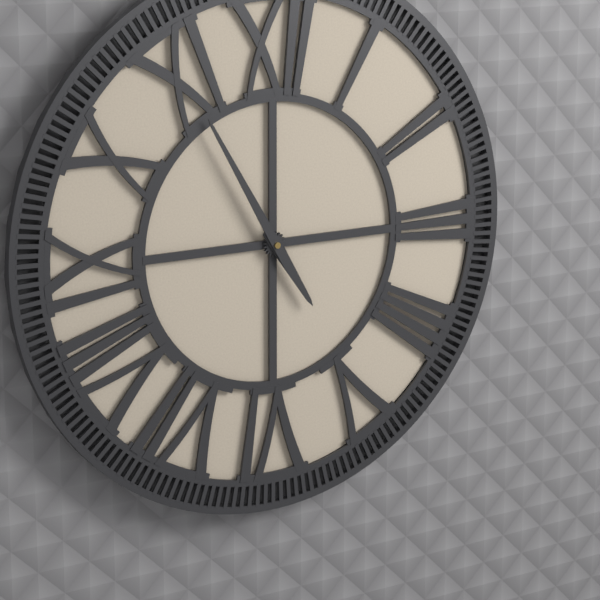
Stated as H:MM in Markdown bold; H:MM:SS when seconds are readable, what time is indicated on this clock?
**4:55**
